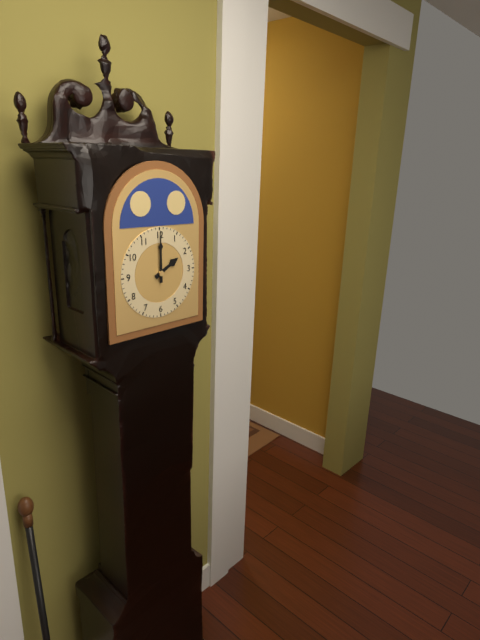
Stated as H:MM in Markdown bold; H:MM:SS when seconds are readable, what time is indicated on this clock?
**2:00**
